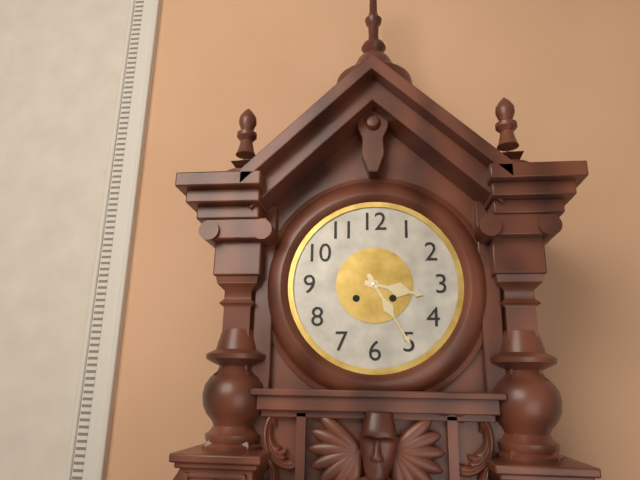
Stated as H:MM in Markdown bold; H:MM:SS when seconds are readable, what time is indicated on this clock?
**3:25**
